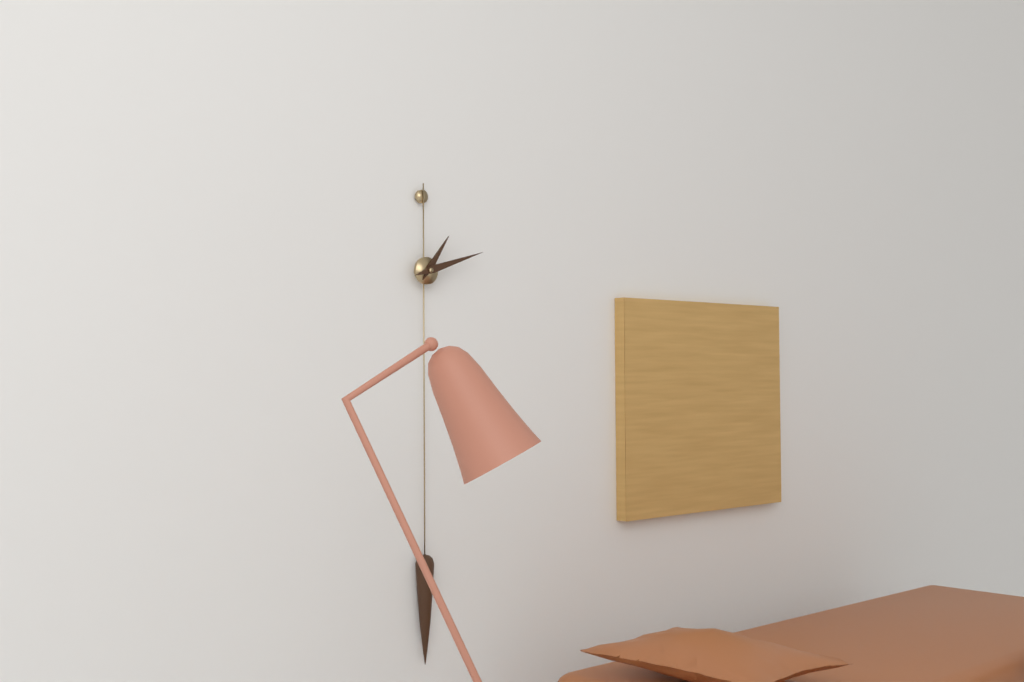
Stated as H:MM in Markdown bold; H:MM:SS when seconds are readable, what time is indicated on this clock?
**1:12**
